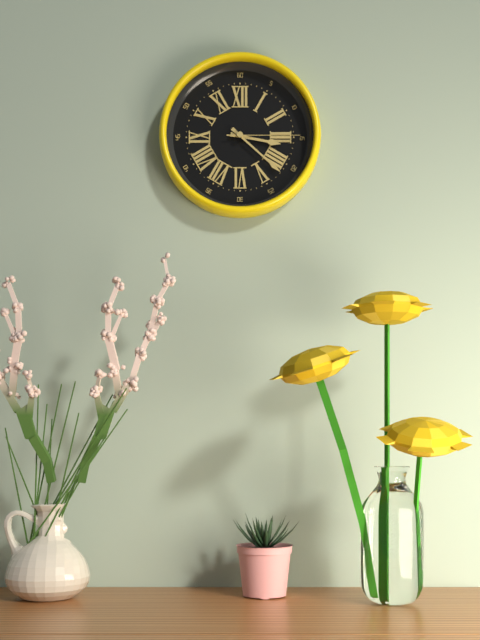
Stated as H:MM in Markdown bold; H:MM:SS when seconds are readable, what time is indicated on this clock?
**3:22:15**
